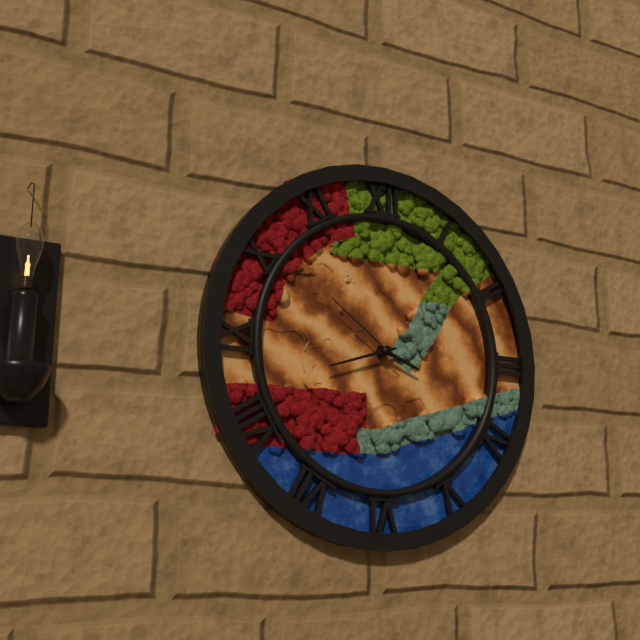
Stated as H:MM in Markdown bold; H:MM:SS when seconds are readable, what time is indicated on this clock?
**3:42:51**
